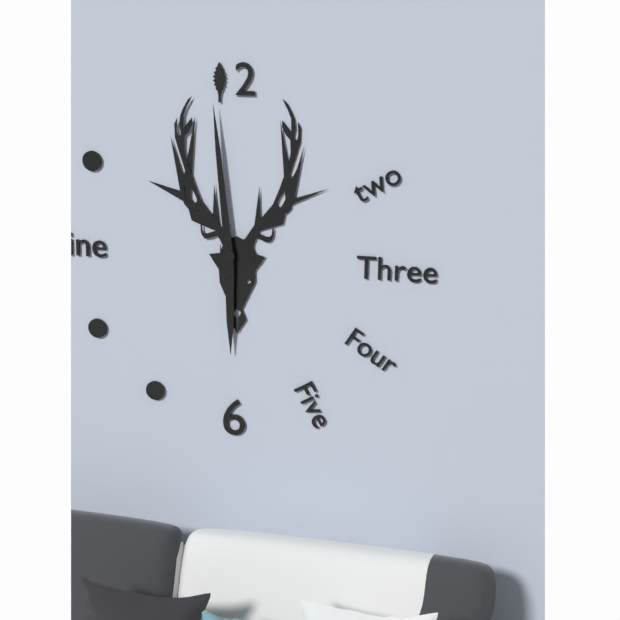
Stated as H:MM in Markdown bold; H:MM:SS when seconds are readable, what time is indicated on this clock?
**5:59**
